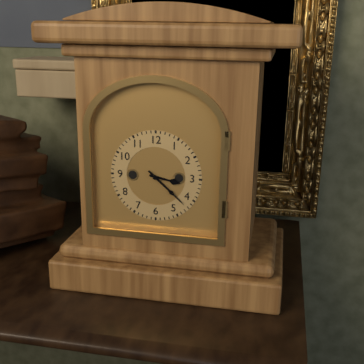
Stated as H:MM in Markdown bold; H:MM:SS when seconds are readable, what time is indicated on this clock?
**3:22**
